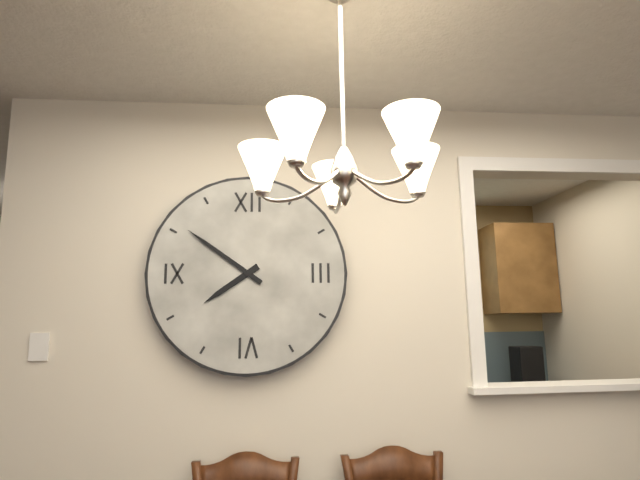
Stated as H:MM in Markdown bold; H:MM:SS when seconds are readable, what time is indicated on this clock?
**7:51**
